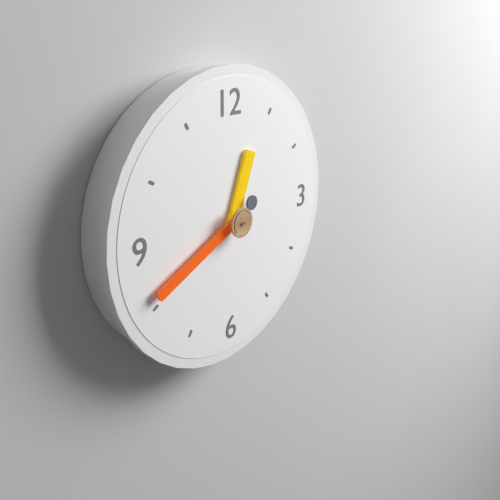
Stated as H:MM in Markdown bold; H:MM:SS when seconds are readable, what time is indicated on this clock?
**12:41**
